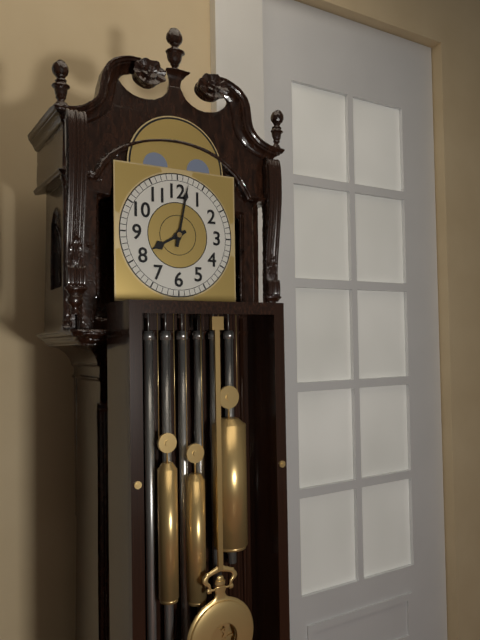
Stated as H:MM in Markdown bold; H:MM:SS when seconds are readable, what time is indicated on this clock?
**8:02**
